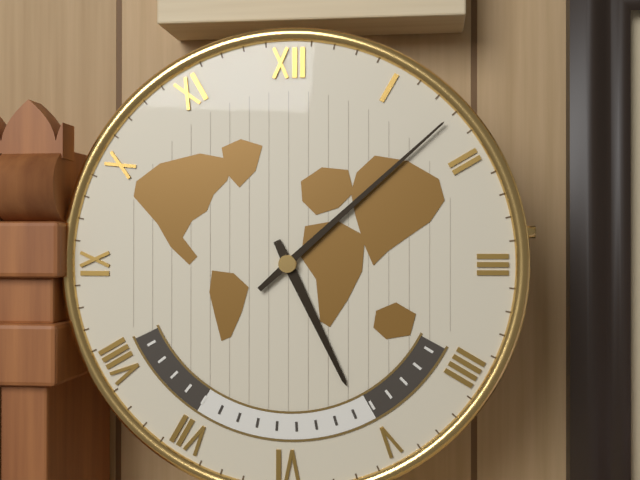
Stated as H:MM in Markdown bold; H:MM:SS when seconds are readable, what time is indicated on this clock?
**5:08**
